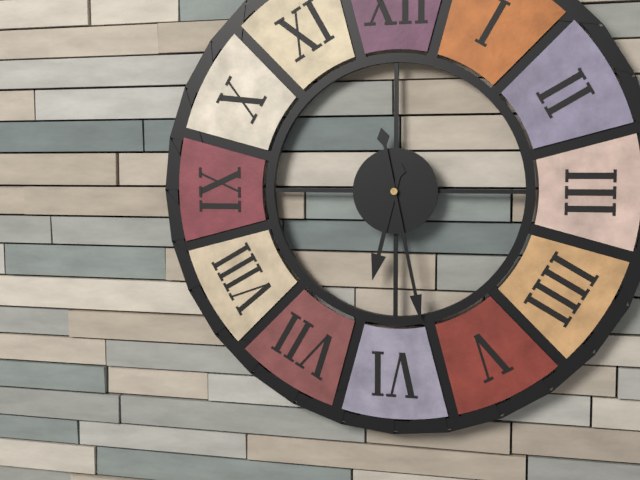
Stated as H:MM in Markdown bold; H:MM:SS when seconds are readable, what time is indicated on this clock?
**6:28**
